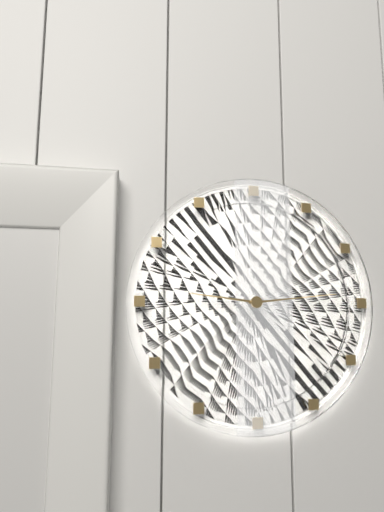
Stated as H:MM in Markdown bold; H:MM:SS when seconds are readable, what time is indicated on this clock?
**9:14**
